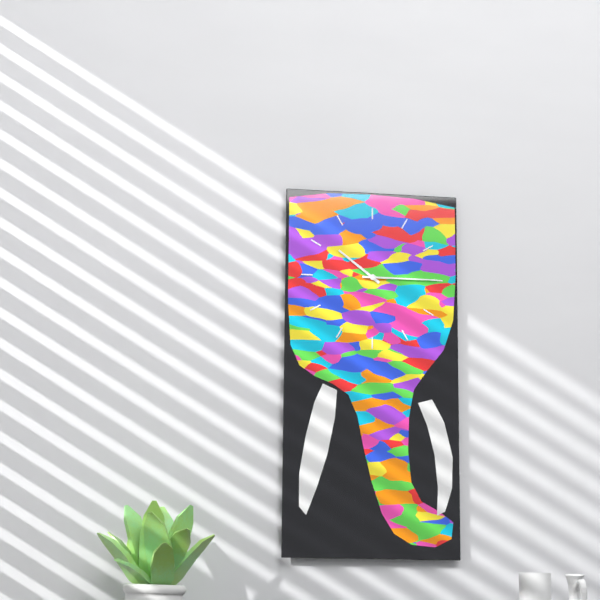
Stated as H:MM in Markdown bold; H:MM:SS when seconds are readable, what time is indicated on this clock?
**10:15**
